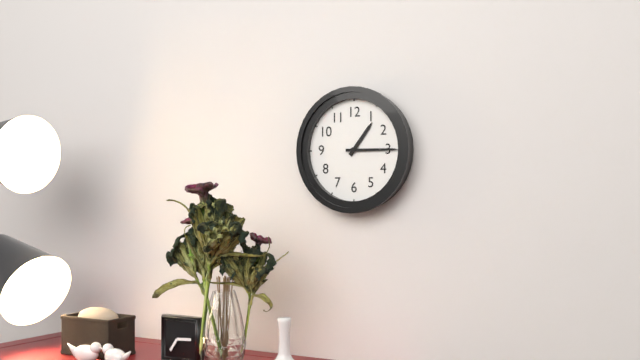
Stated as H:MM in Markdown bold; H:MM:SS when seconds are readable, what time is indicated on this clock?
**1:15**
